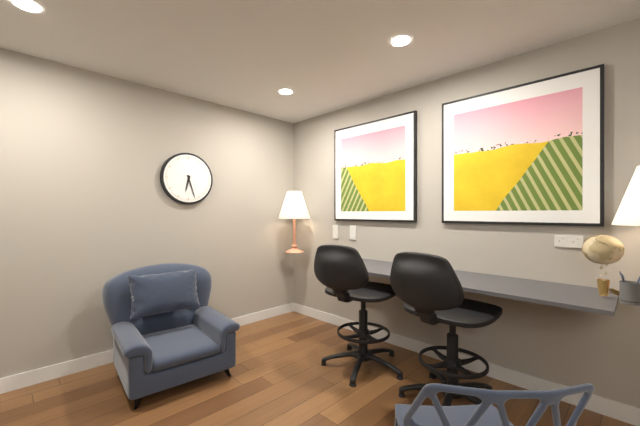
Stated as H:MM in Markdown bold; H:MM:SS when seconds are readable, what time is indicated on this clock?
**6:27**
